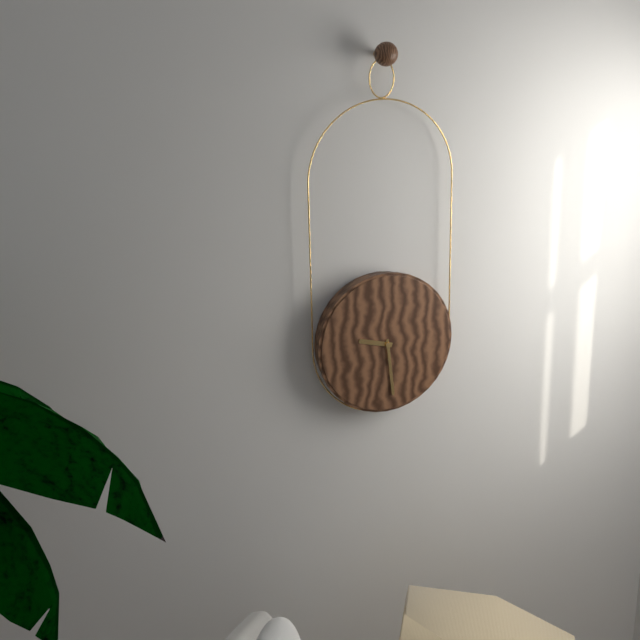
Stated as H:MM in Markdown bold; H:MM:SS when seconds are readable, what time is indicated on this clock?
**9:29**
